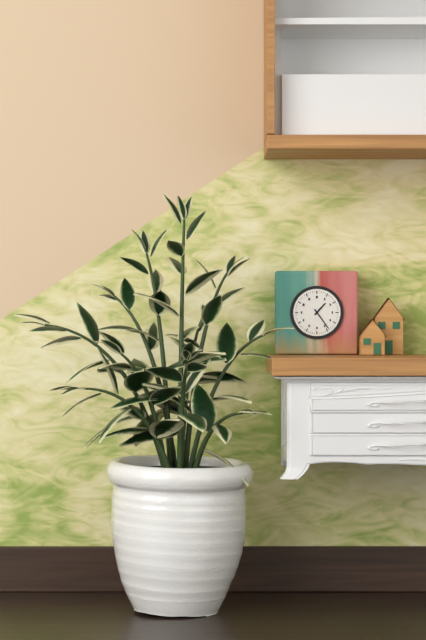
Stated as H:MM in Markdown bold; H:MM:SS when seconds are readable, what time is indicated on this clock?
**1:24**
